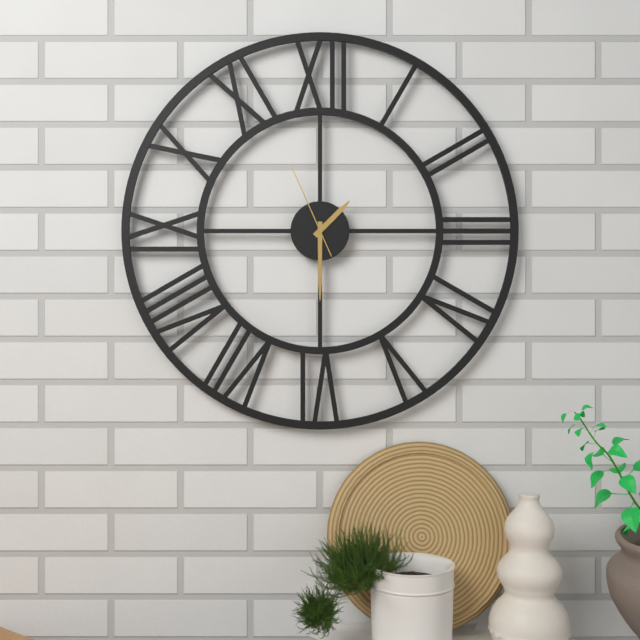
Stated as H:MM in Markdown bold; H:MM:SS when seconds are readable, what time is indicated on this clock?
**1:30:56**
